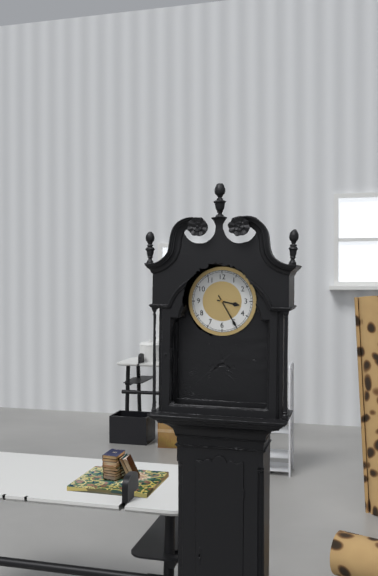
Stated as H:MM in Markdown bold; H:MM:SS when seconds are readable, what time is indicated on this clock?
**3:25**
